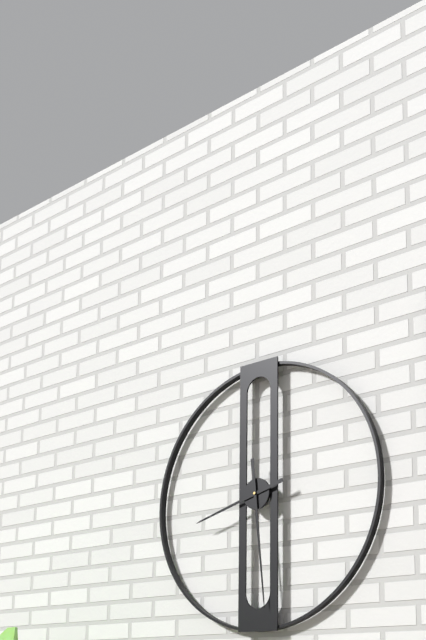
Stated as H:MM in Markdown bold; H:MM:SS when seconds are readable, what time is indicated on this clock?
**8:29**
